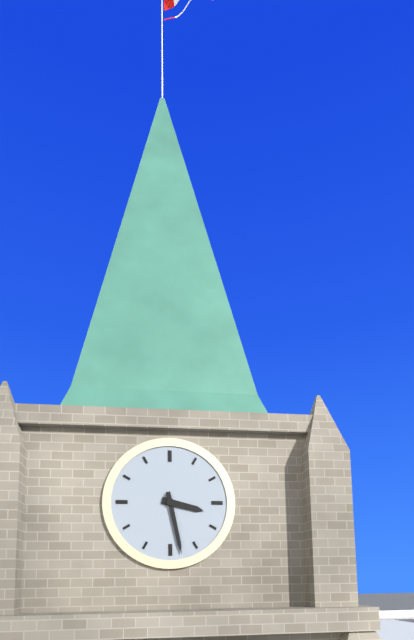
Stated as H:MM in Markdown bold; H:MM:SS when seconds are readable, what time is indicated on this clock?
**3:28**
